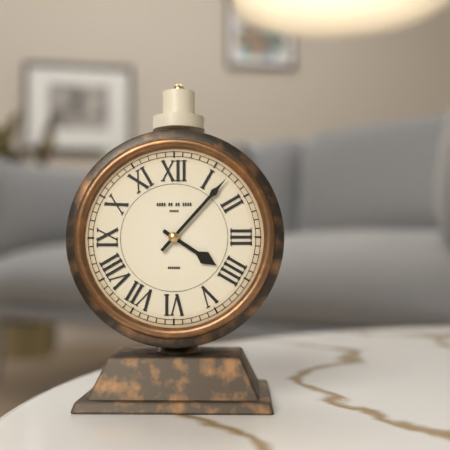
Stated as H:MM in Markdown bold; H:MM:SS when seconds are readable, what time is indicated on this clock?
**4:07**
